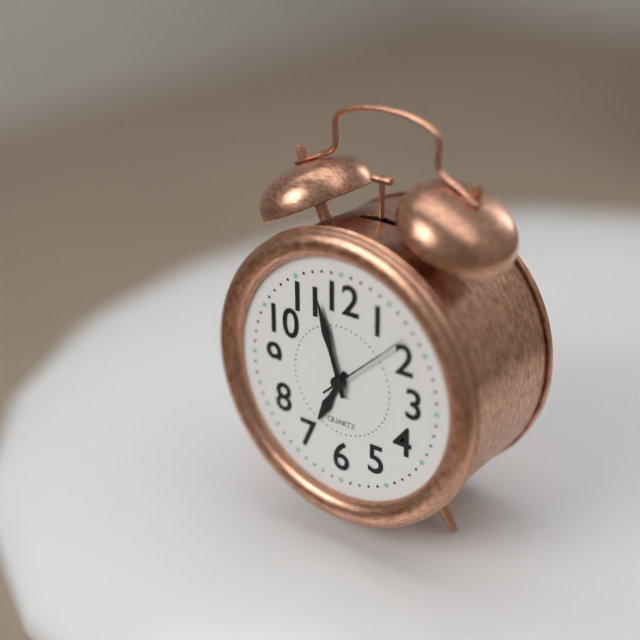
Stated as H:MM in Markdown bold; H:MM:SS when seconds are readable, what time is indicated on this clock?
**6:57:08**
